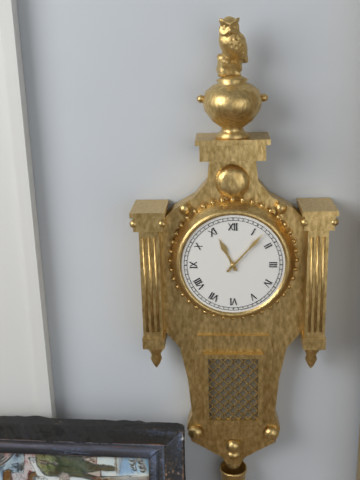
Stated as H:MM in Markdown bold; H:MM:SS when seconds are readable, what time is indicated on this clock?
**11:07**
